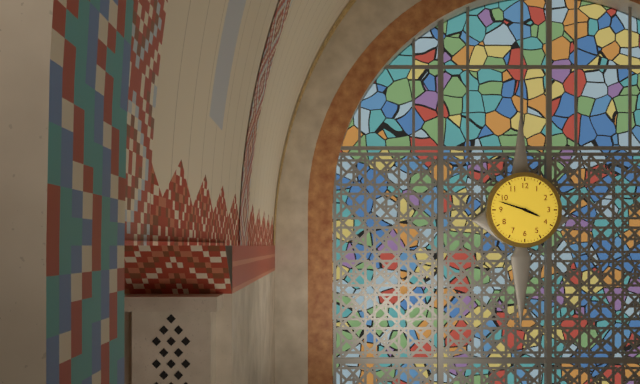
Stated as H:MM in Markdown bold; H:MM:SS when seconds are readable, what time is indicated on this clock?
**3:48**
